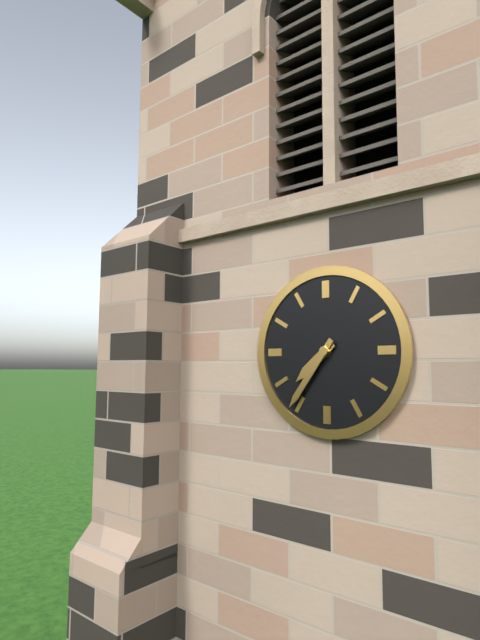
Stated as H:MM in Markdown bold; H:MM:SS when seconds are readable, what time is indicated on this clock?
**7:36**
